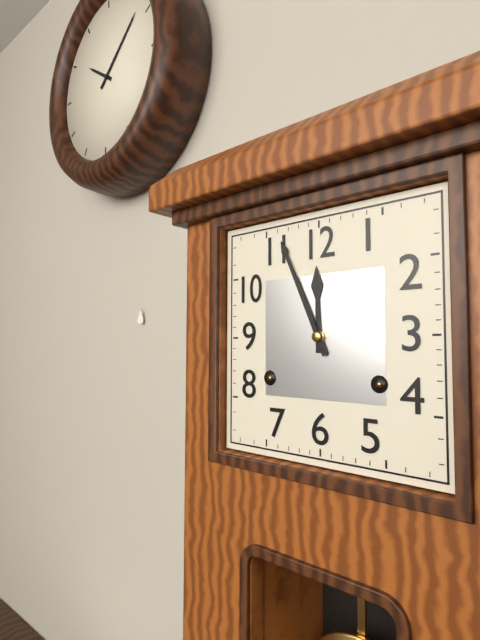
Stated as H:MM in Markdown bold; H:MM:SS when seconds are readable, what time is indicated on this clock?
**11:56**
